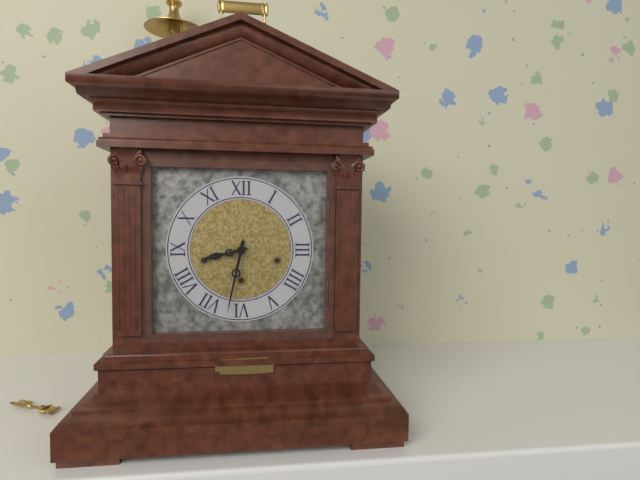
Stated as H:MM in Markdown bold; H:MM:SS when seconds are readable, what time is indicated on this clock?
**8:32**
